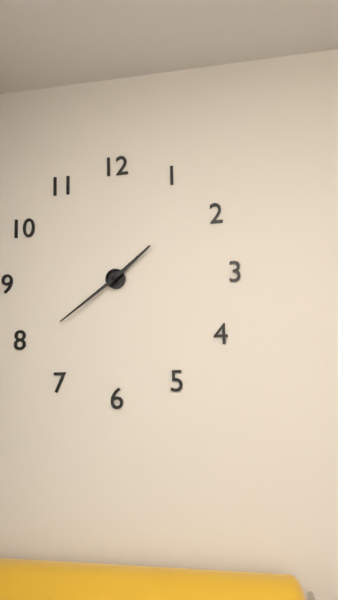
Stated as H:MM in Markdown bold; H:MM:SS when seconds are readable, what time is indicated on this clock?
**1:39**
